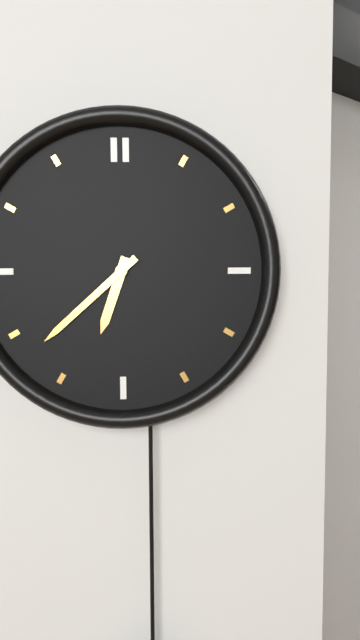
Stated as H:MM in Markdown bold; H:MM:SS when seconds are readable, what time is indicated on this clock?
**6:38**
